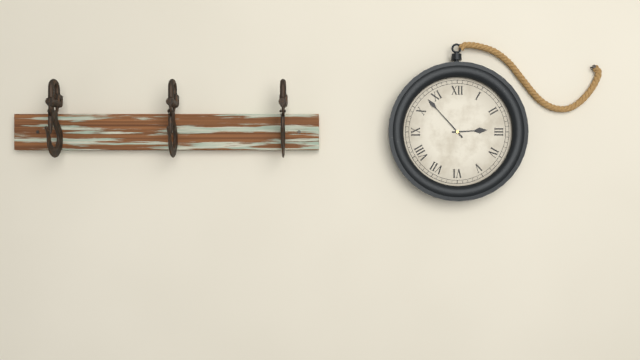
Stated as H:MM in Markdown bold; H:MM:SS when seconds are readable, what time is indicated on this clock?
**2:53**
